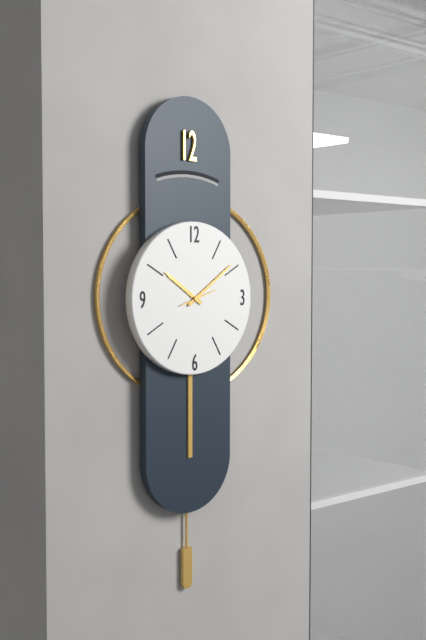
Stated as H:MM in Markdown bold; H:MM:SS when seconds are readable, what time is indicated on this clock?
**10:09**
